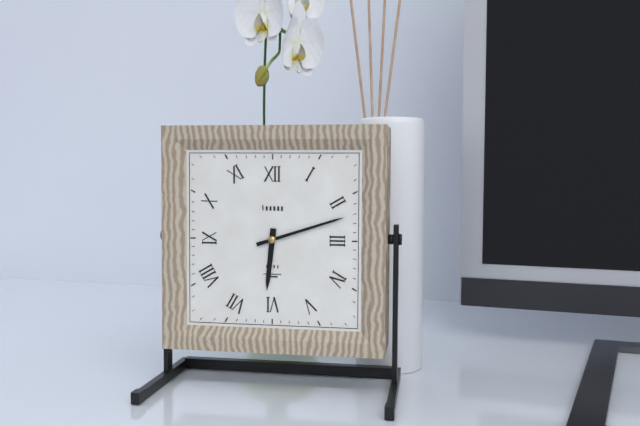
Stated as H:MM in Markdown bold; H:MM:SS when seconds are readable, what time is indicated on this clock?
**6:12**
